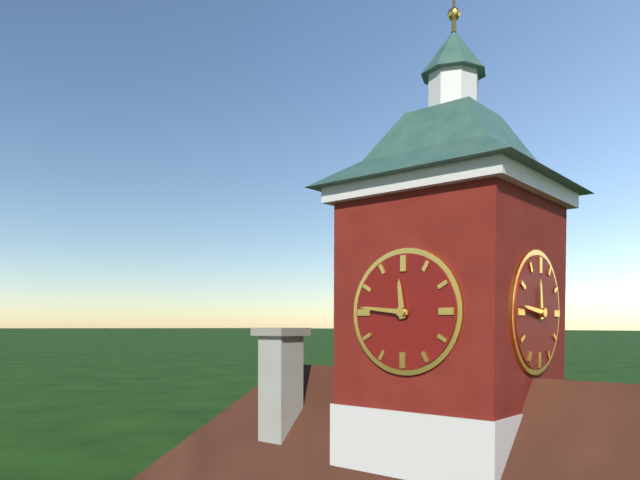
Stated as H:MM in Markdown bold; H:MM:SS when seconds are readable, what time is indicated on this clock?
**11:46**
